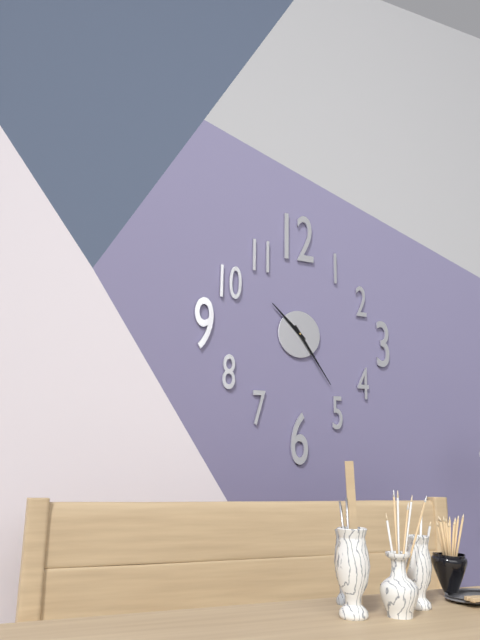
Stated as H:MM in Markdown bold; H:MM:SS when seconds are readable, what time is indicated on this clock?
**10:24**
